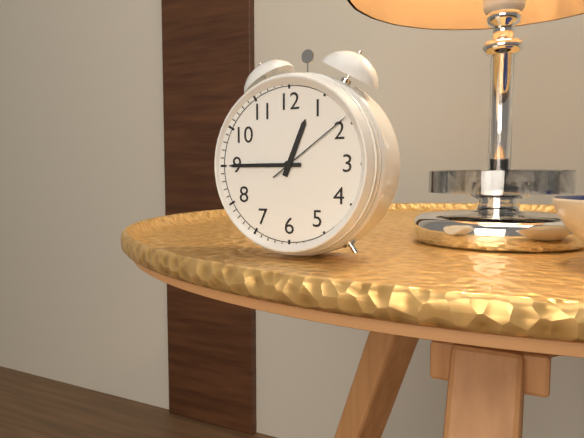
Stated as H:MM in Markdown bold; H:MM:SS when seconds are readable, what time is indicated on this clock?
**12:45:09**
